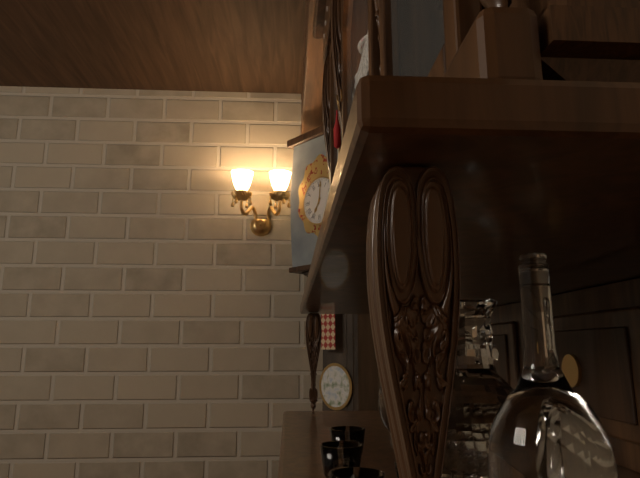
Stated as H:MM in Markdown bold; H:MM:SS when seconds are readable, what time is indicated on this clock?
**7:01**
